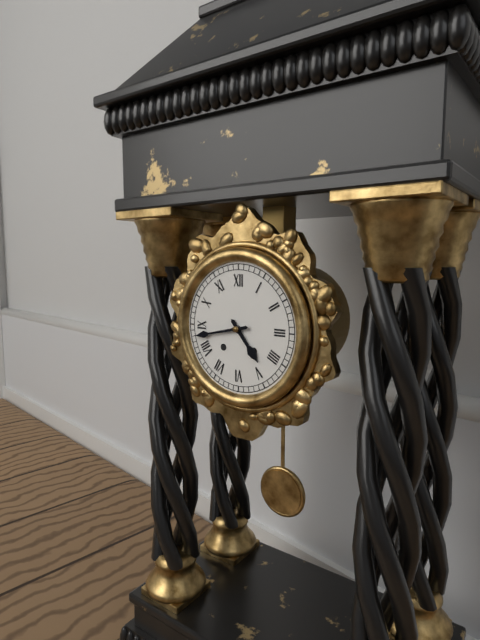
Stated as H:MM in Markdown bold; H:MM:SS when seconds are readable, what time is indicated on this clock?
**4:43**
